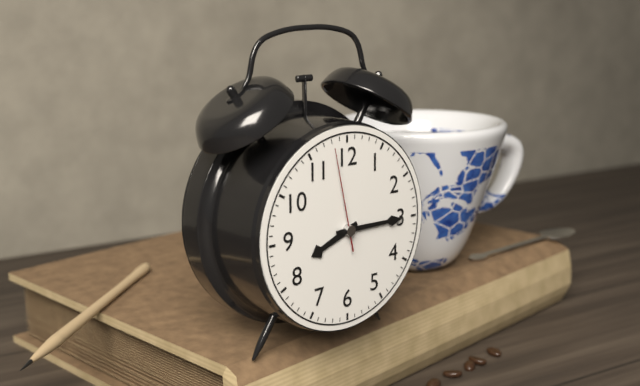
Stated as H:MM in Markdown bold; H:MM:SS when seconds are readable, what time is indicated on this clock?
**8:15:58**
